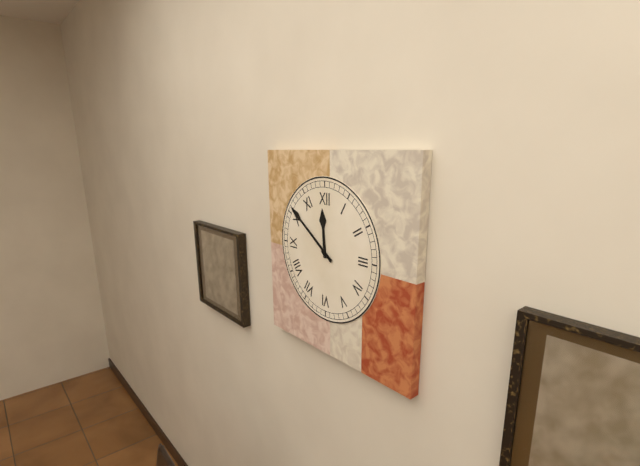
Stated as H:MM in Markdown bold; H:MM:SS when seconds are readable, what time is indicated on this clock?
**11:51**
